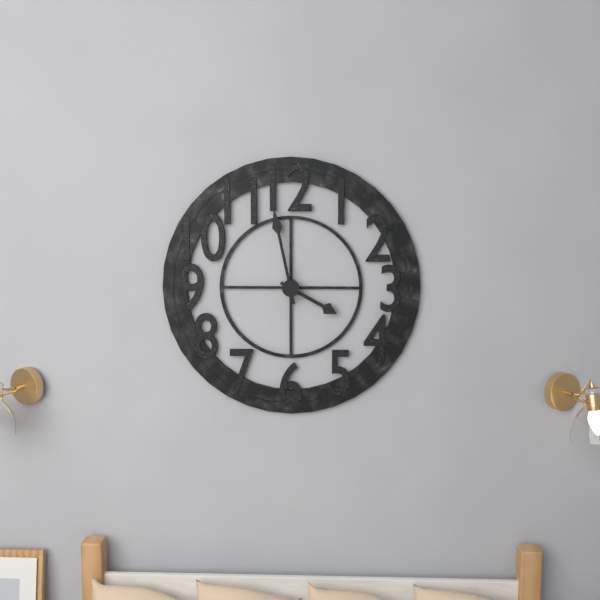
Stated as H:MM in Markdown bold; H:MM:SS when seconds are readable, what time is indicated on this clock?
**3:58**
